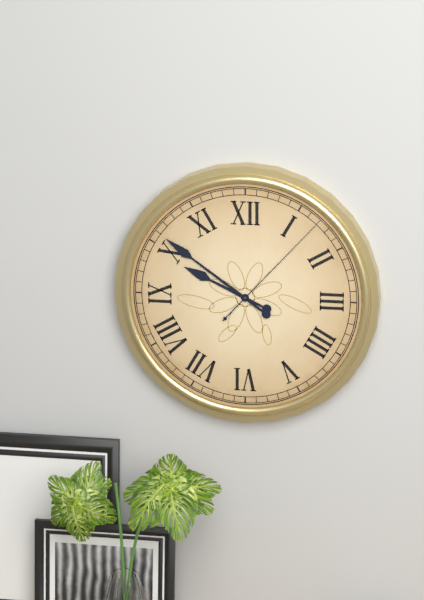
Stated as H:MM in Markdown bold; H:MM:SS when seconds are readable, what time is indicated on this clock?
**9:51:07**
